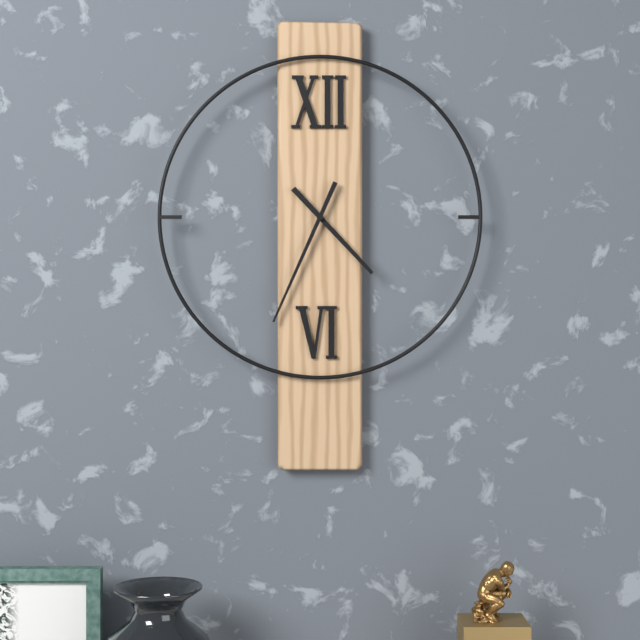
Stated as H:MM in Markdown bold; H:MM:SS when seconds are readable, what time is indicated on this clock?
**4:34**
